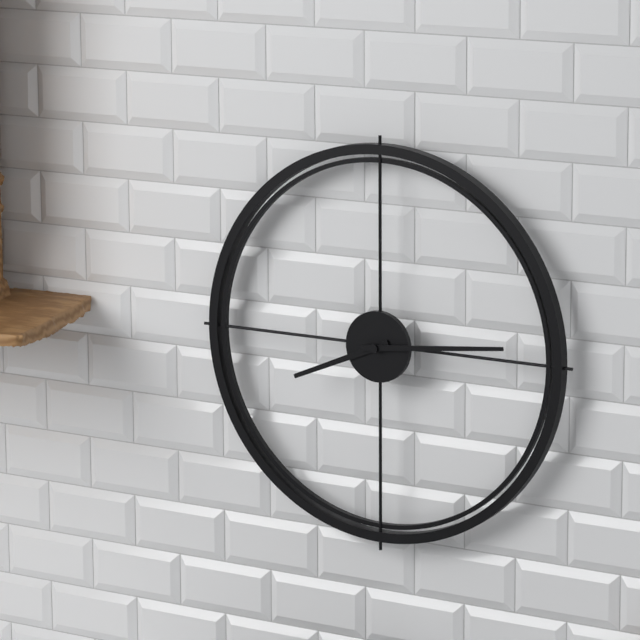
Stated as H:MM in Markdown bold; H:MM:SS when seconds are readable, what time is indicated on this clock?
**8:14**
